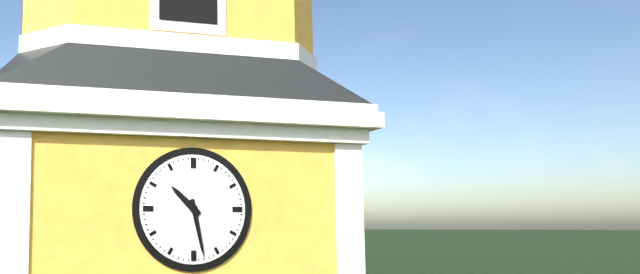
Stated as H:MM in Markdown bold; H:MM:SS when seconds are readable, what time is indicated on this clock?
**10:28**
